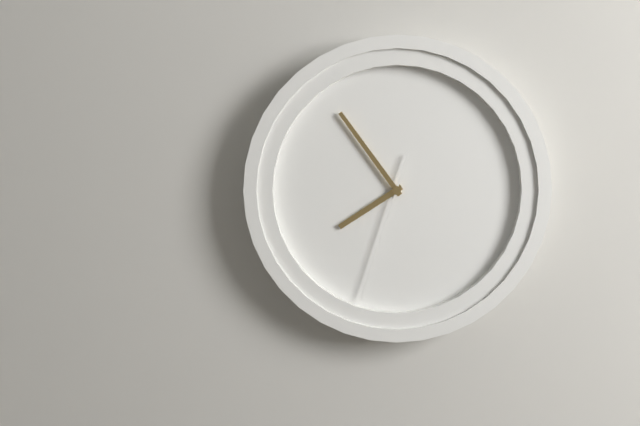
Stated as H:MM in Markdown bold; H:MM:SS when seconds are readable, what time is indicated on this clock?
**7:54:33**
